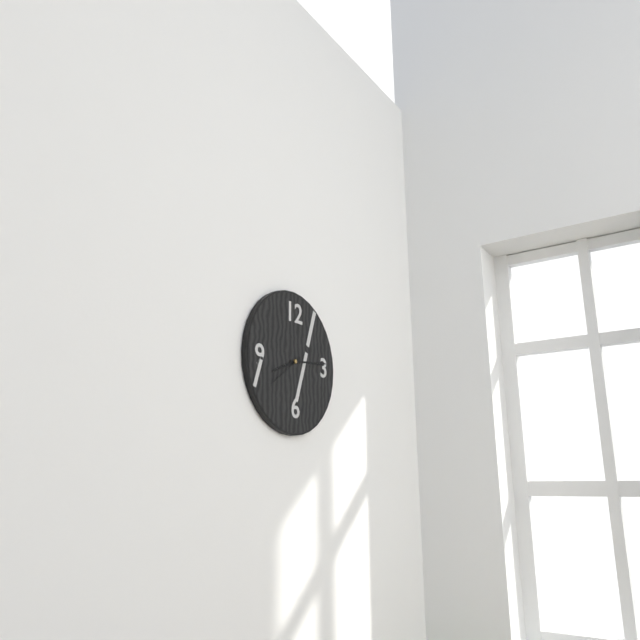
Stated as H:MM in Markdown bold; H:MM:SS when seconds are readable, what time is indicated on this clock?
**8:14**
